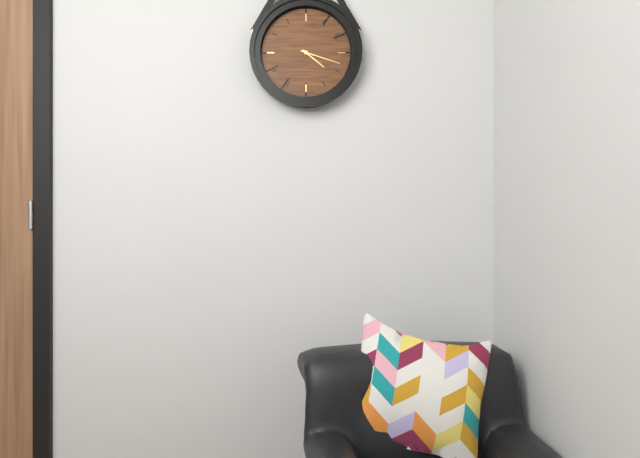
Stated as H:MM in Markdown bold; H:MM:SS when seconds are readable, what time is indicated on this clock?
**4:18**
